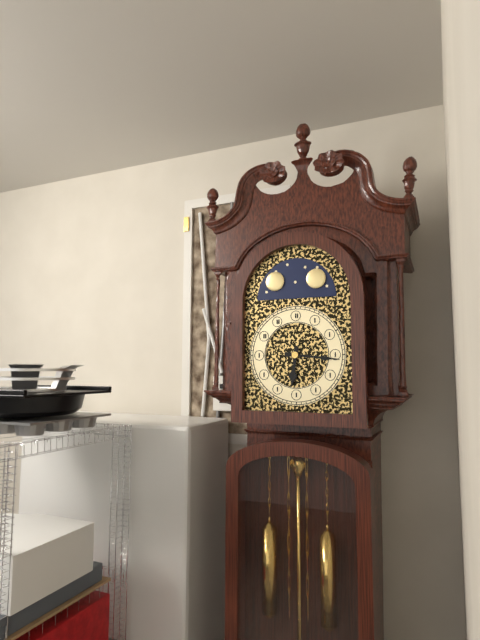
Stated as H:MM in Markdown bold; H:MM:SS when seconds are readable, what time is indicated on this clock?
**6:16**
